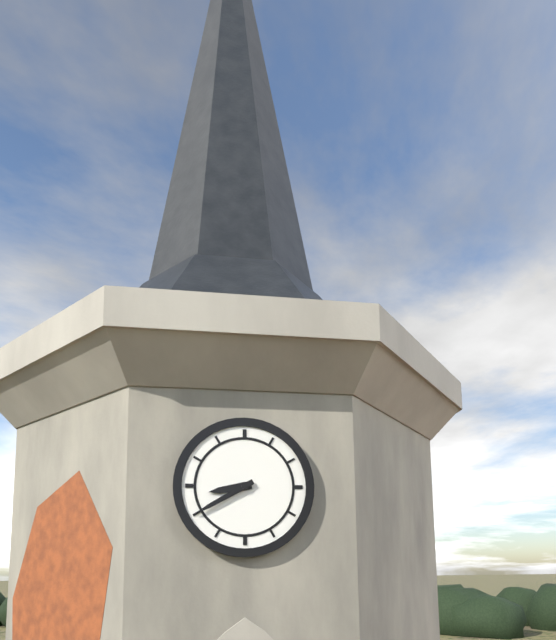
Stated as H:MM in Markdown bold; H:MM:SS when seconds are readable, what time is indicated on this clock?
**8:40**
